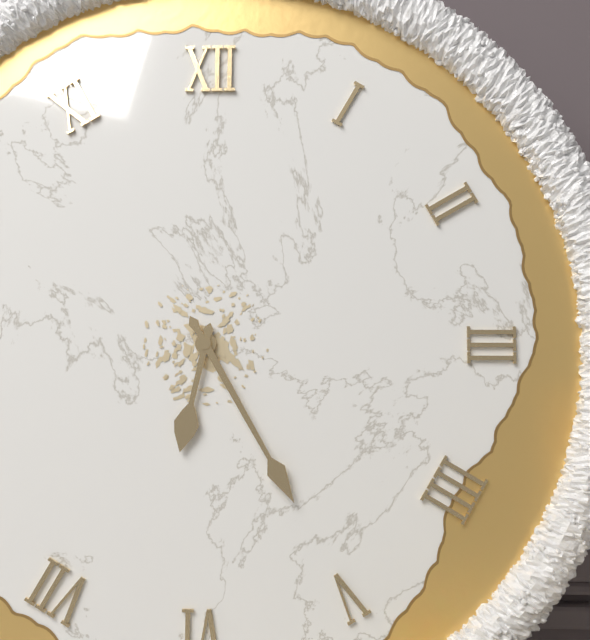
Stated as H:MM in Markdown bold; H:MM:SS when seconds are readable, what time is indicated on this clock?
**6:25**
